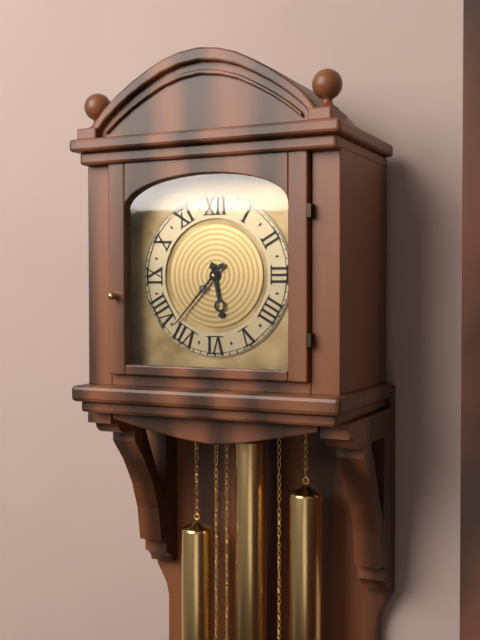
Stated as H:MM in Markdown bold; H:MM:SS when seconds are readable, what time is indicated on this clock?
**5:37**
